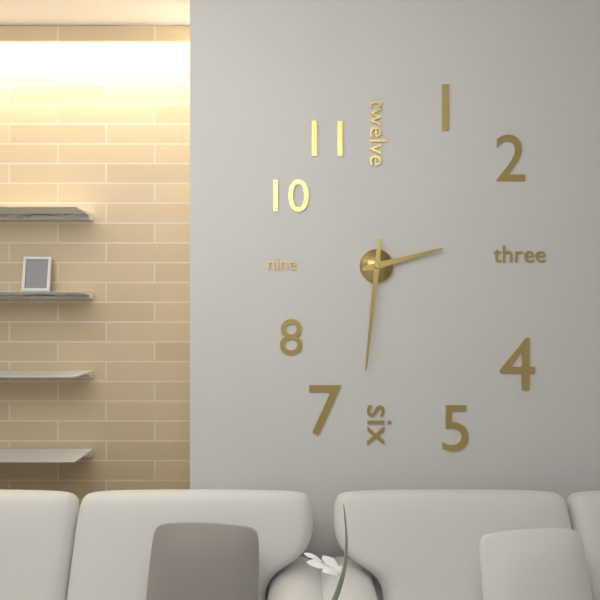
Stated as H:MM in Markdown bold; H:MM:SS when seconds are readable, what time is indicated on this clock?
**2:31**
